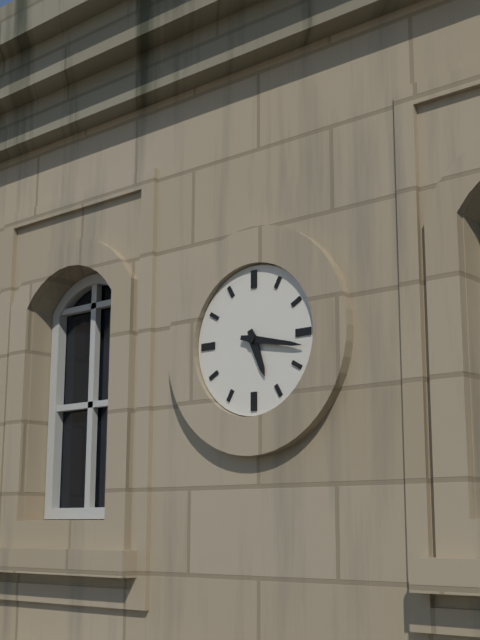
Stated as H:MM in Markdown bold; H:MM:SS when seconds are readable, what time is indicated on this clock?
**5:17**
